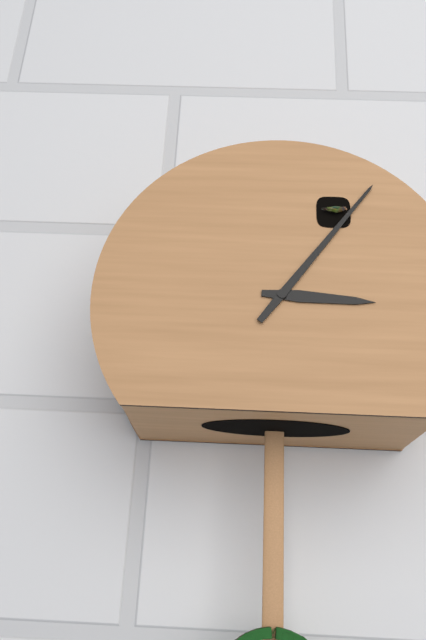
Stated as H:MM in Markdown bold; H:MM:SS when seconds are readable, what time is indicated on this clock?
**3:06**
